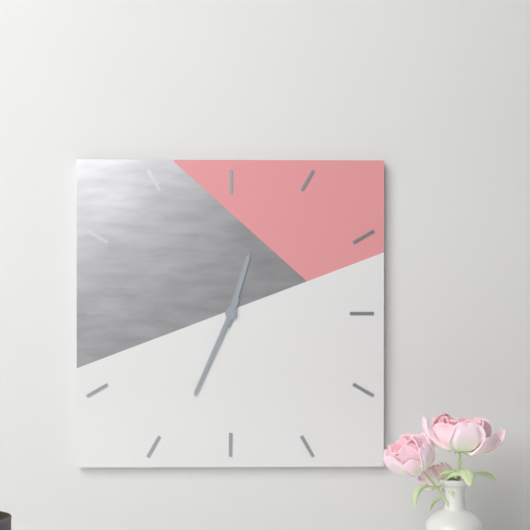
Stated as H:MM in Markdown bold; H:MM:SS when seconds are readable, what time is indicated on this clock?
**12:34**
